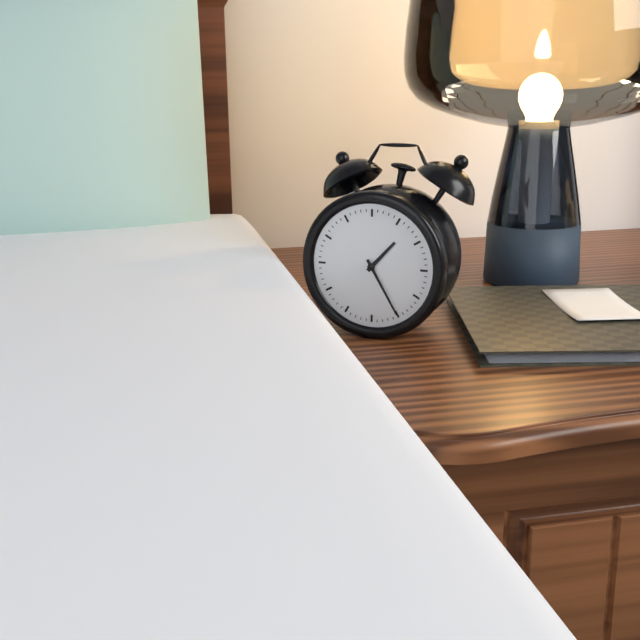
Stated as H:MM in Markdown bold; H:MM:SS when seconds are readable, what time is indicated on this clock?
**1:25**
